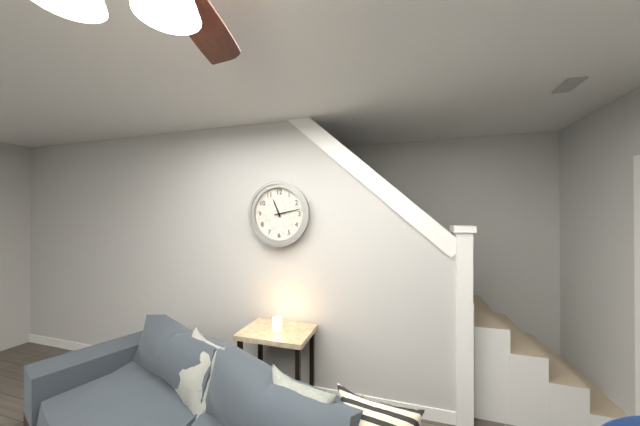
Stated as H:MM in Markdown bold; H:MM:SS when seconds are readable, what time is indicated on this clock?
**11:13**
